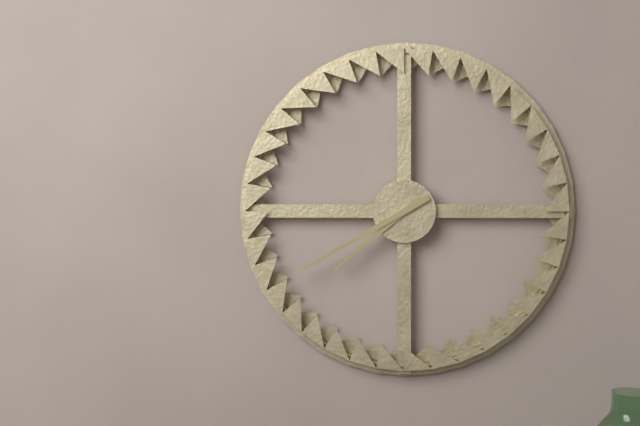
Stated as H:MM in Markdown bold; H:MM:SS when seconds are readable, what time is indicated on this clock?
**7:40**
